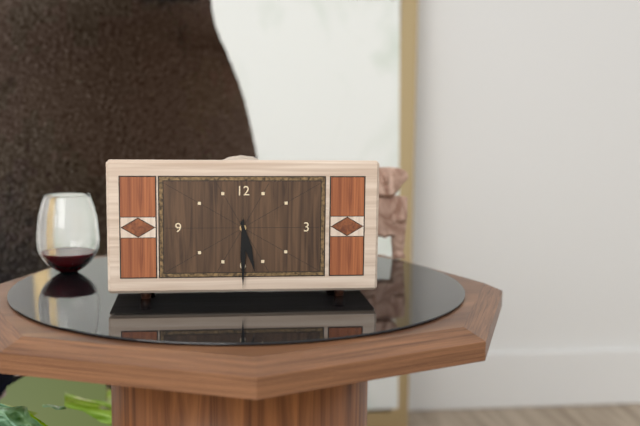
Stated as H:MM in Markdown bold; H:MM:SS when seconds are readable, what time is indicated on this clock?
**5:30**
